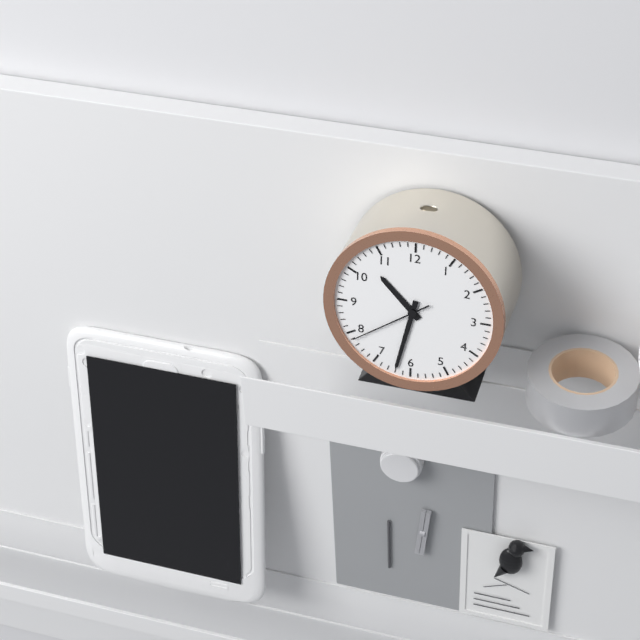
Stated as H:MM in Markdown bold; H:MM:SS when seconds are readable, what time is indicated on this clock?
**10:32:39**
